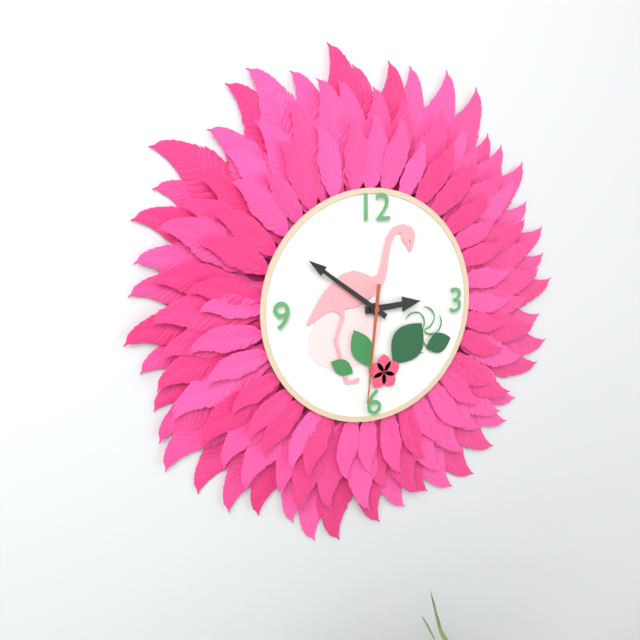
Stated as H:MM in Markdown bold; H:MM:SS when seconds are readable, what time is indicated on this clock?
**2:51:31**
